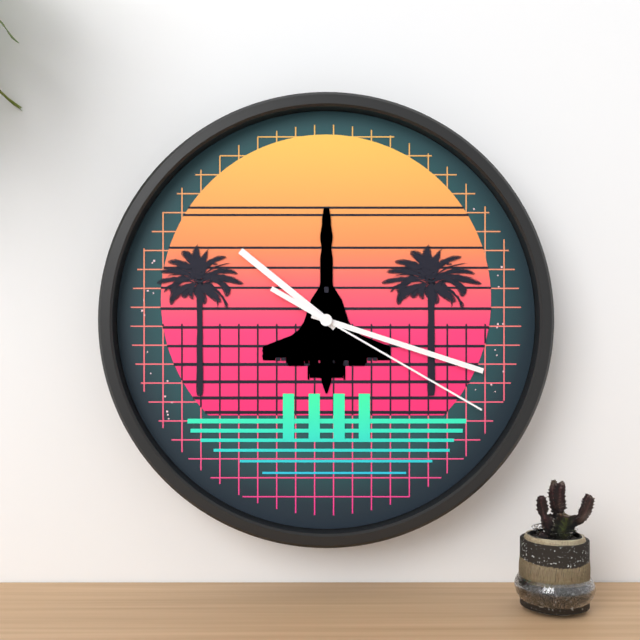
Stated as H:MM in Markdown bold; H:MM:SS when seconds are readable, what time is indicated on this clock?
**10:18:20**
